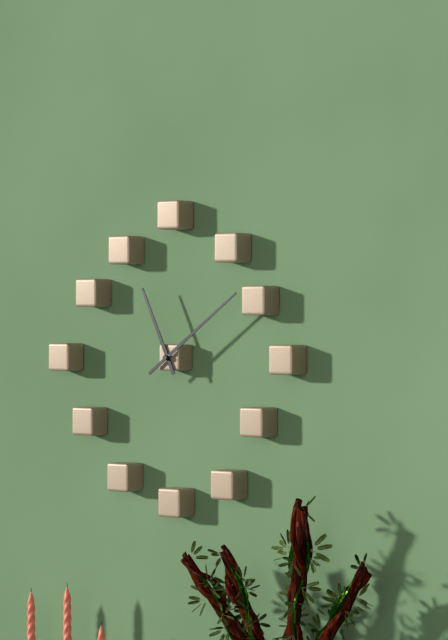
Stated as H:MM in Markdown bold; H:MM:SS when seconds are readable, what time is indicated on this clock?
**11:09**
